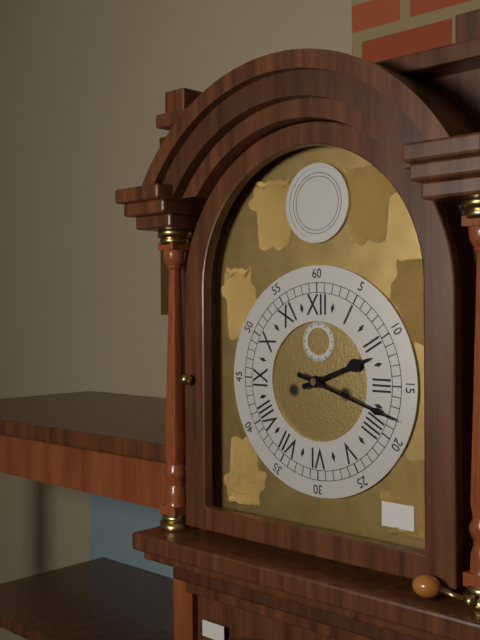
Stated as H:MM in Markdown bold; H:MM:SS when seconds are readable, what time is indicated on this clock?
**2:18**
